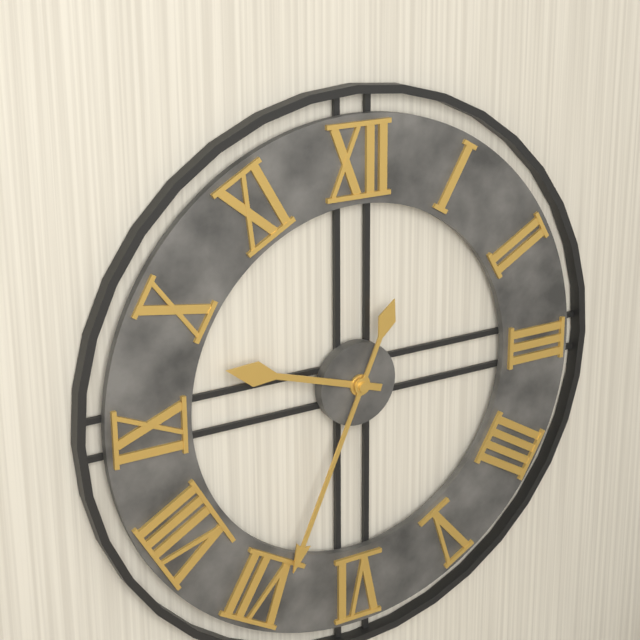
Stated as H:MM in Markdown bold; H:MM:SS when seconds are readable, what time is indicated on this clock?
**9:34**
